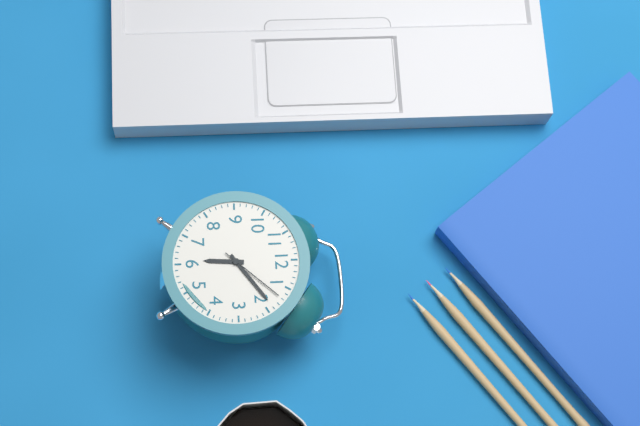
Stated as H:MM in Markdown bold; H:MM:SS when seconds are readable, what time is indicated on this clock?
**6:09:07**
